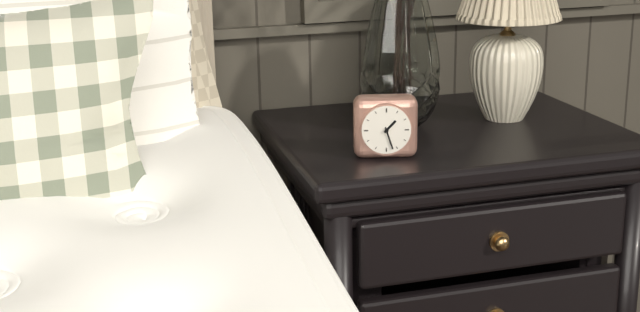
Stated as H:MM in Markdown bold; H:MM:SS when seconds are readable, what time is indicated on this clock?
**1:27**
